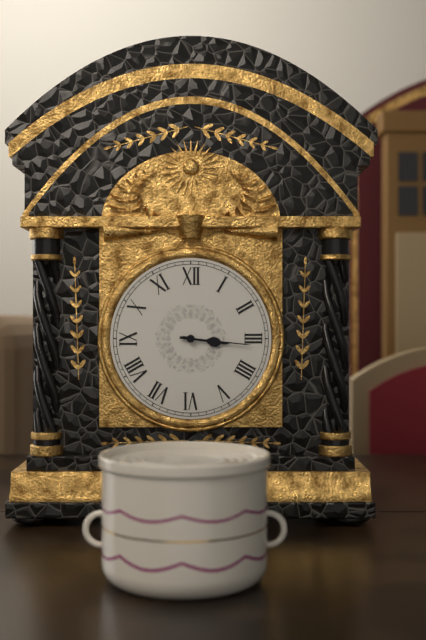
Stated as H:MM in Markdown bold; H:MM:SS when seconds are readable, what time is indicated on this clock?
**3:16**
